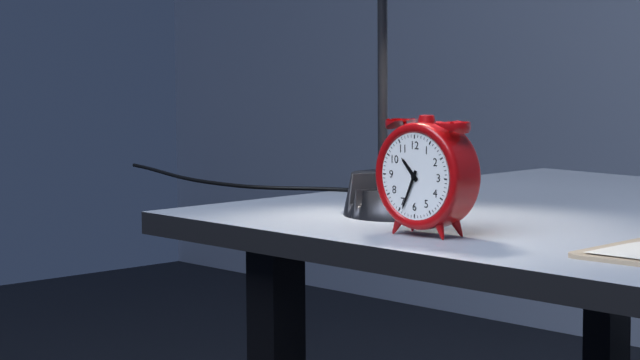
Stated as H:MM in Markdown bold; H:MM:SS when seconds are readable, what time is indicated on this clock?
**10:34**
